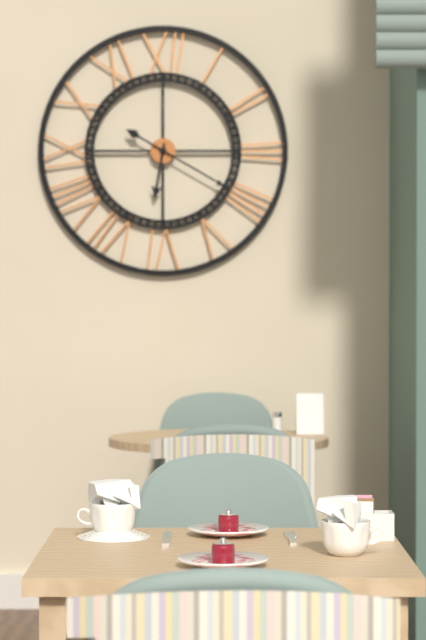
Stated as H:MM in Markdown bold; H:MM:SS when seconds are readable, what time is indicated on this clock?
**6:20**
